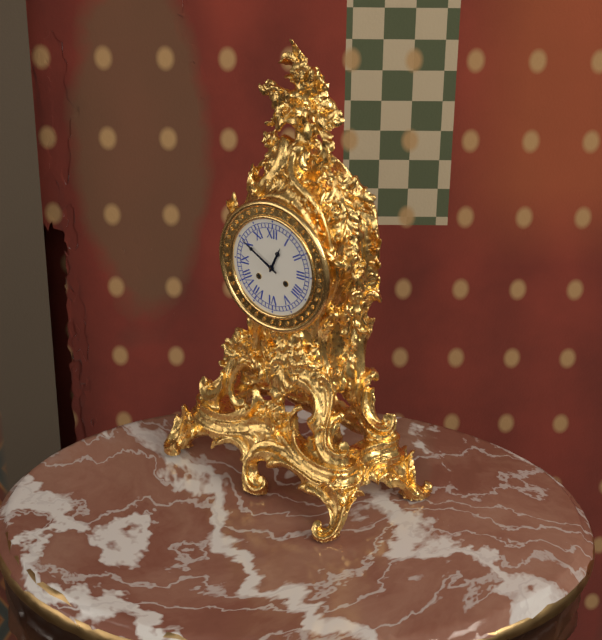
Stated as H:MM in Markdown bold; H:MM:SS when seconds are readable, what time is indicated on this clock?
**12:50**
